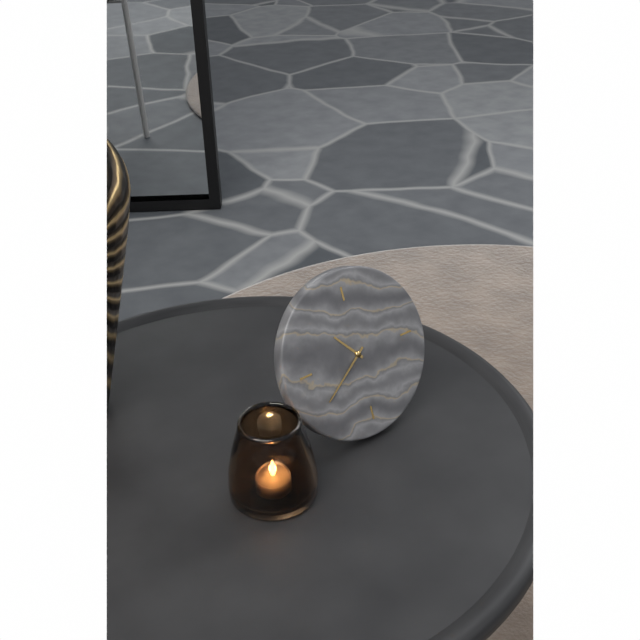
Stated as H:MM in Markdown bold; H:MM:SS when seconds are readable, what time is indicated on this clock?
**10:39**
